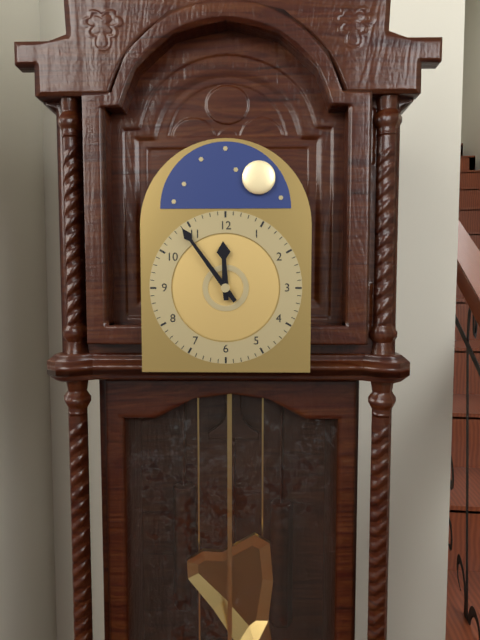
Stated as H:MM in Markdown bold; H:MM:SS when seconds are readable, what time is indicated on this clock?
**11:54**
